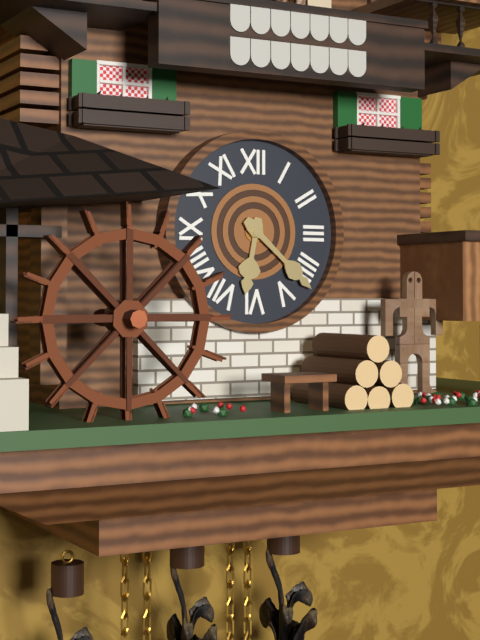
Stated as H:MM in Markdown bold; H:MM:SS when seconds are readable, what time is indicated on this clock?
**6:22**
